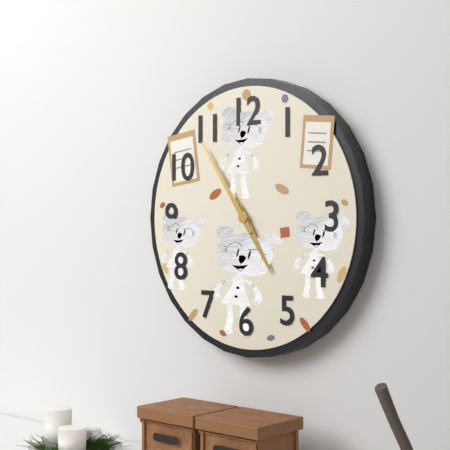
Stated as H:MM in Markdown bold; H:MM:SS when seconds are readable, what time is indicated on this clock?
**4:54**
